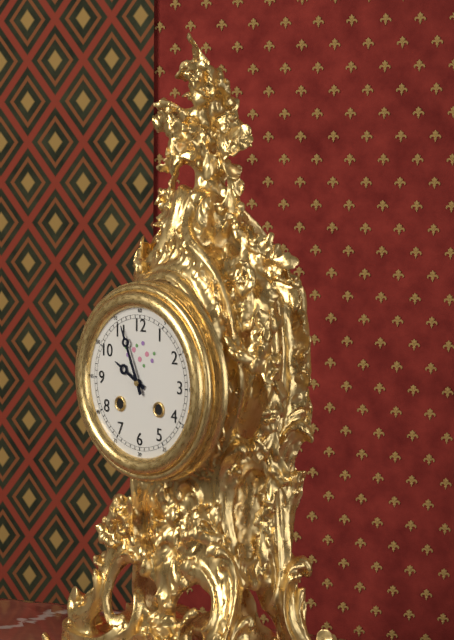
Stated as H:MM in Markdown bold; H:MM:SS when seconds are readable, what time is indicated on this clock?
**9:56**
